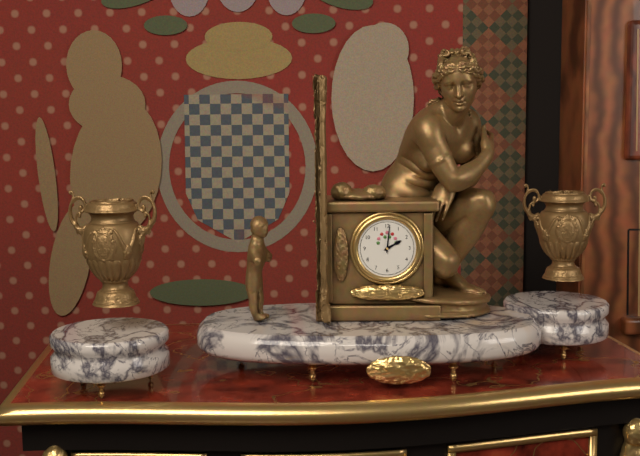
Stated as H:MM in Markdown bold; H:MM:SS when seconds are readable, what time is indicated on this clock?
**2:01**
